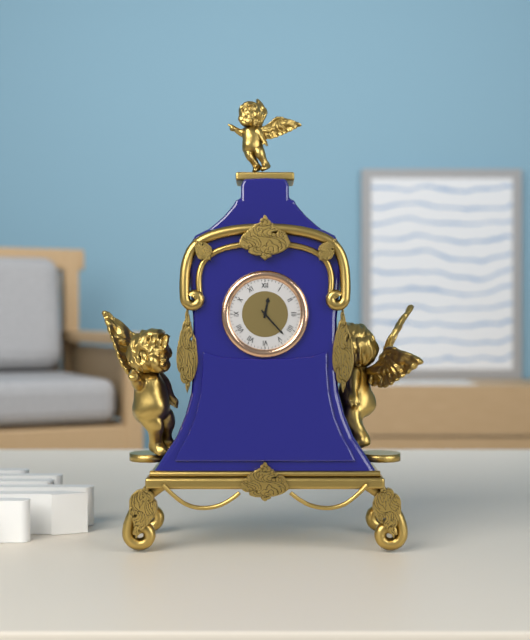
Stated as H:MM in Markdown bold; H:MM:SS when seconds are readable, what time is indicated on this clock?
**12:23**
